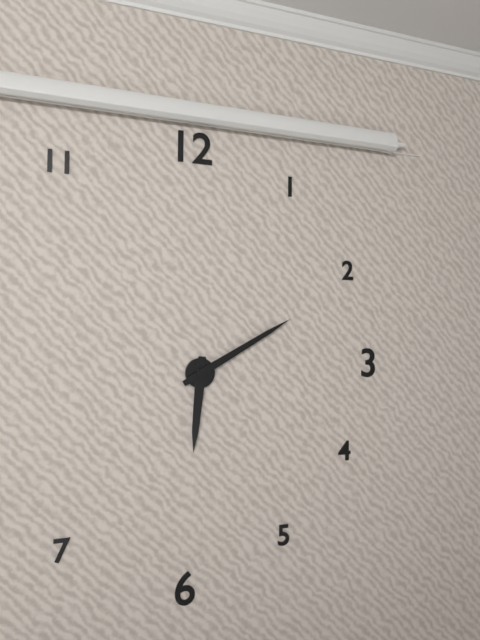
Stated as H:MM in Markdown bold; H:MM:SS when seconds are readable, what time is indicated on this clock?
**6:10**
